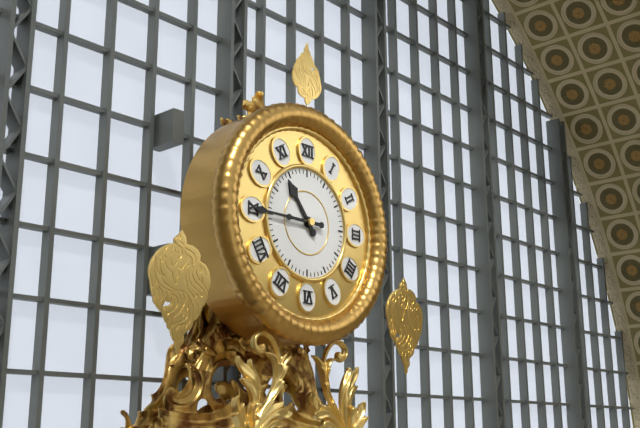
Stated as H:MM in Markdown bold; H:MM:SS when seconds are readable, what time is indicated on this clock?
**10:45**
